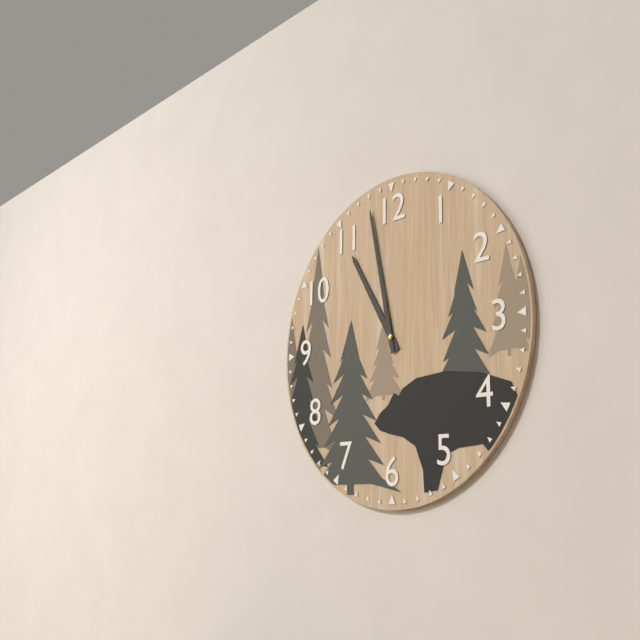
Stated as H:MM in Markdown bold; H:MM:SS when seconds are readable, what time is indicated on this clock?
**10:58**
